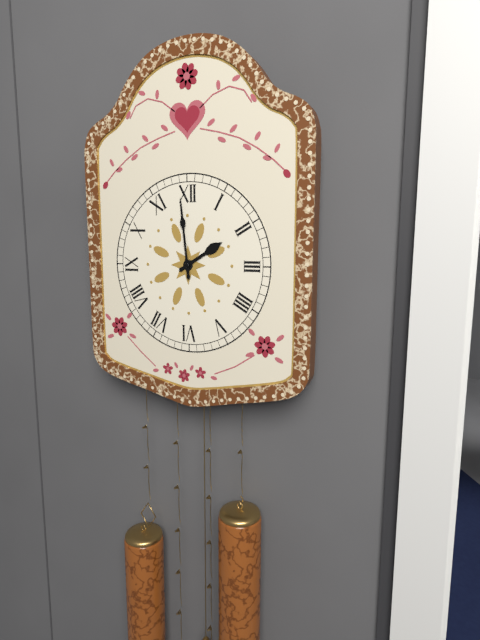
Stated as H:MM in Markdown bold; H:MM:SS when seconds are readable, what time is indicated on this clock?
**1:59**
